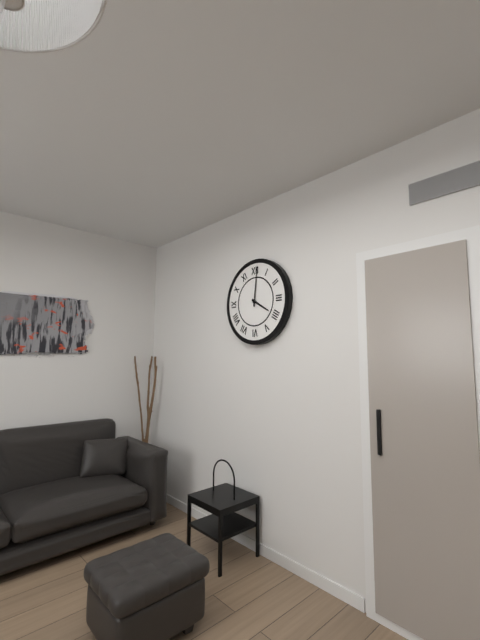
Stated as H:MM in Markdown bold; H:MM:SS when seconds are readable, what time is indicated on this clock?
**4:01**
